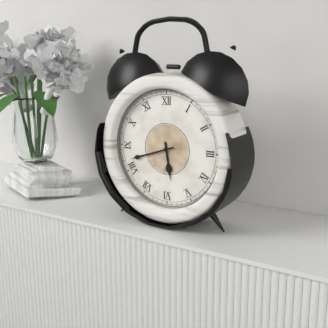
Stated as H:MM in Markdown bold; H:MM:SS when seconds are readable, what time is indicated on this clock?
**5:42**
